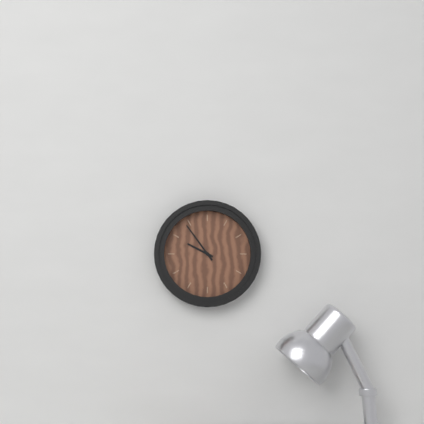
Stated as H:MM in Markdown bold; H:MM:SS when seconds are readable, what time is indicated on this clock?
**9:54**
